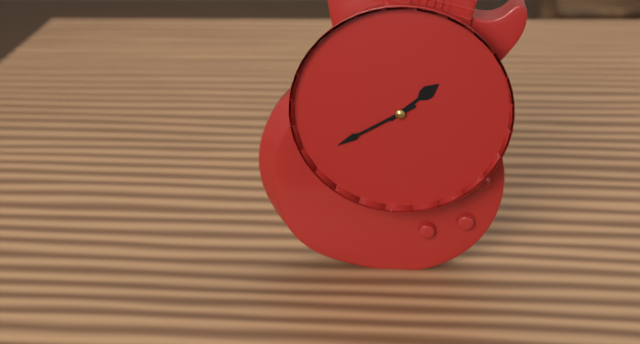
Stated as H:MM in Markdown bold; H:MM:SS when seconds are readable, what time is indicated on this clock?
**1:40**
